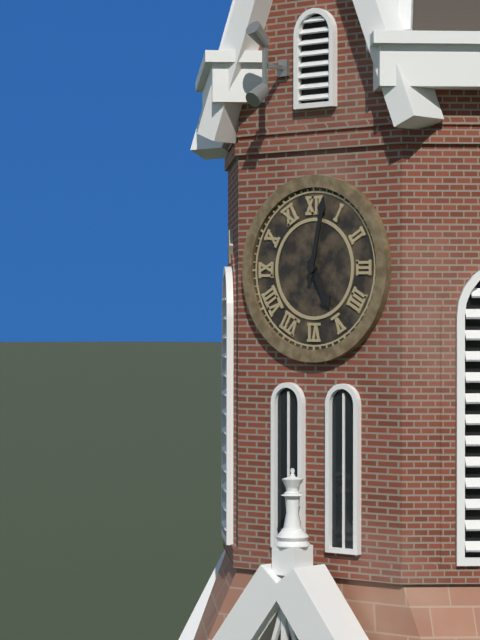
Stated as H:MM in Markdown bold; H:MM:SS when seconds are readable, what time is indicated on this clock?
**5:02**
